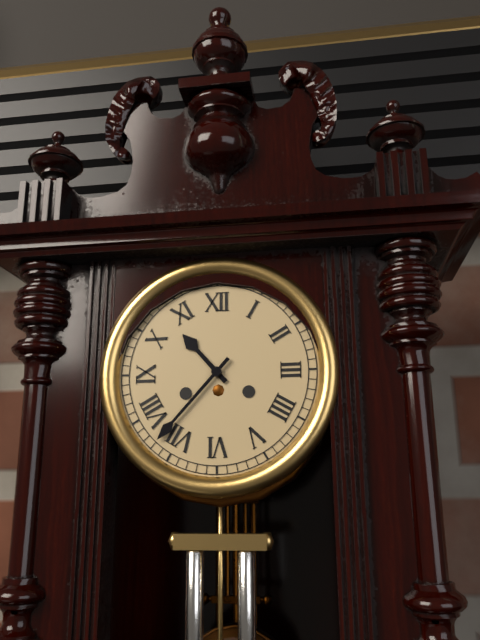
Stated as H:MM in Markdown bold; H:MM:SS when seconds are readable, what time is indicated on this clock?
**10:37**
